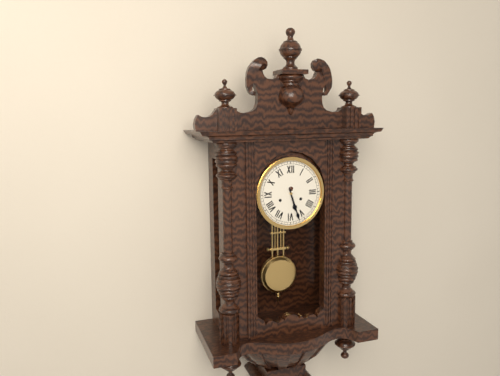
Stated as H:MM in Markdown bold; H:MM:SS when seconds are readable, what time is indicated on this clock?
**5:27**
